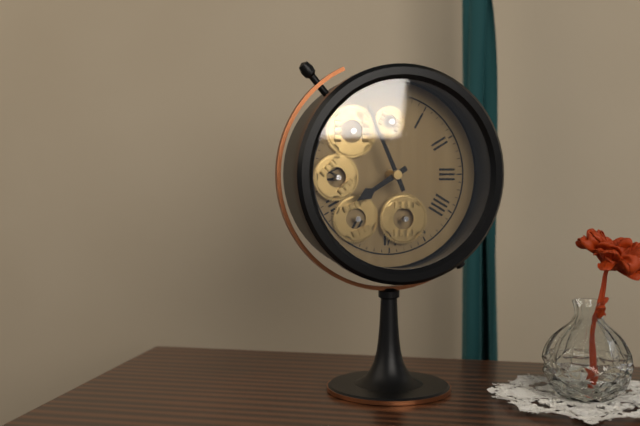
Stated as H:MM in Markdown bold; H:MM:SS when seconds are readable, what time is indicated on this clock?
**7:56**
